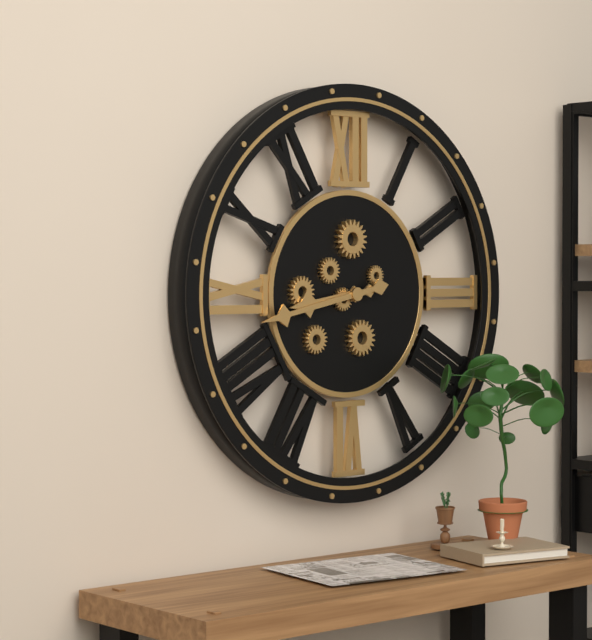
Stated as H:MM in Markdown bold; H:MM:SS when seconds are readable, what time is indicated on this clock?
**8:43**
